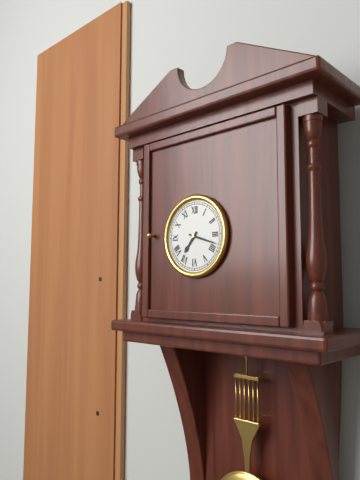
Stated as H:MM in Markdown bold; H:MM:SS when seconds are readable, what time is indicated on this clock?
**7:18**
